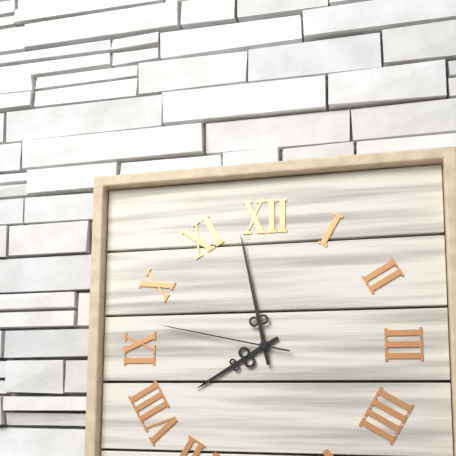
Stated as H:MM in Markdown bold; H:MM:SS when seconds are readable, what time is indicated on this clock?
**7:58:47**
